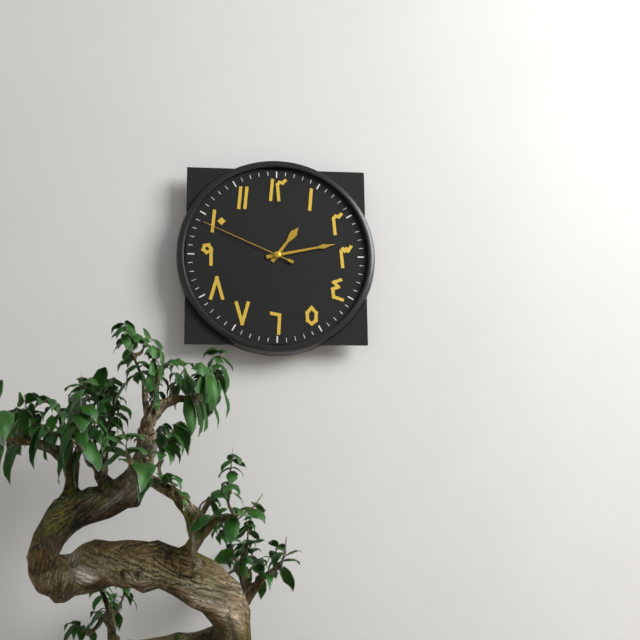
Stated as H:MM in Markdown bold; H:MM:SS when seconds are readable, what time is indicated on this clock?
**1:13:49**
